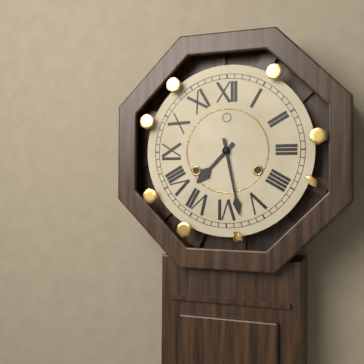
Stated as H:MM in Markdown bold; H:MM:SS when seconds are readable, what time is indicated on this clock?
**7:28**
